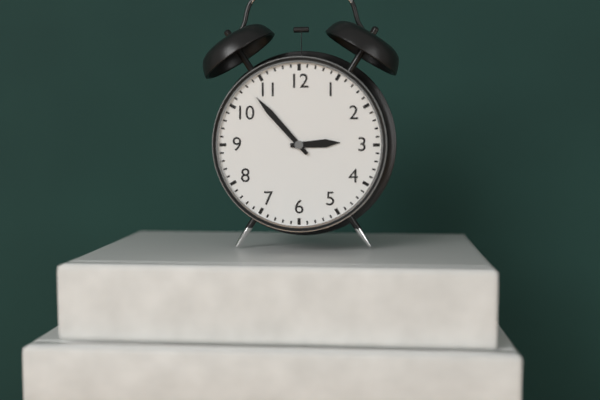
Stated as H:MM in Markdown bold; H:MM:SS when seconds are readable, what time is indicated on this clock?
**2:53**
